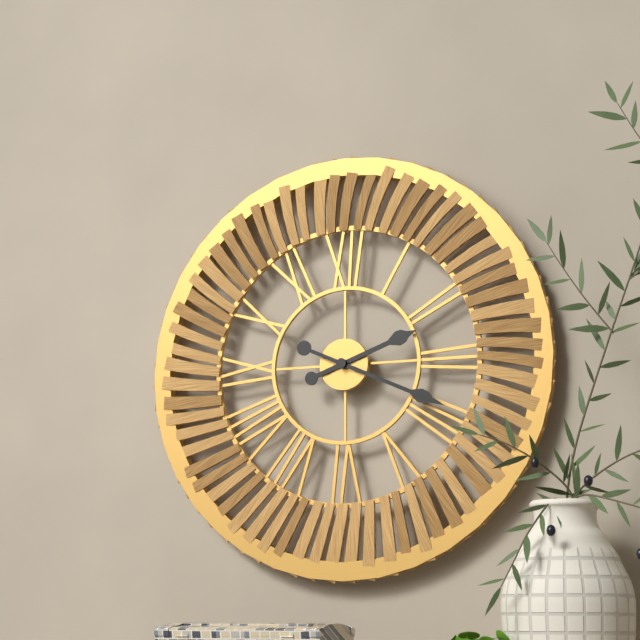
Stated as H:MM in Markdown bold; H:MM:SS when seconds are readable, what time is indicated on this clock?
**2:19**
